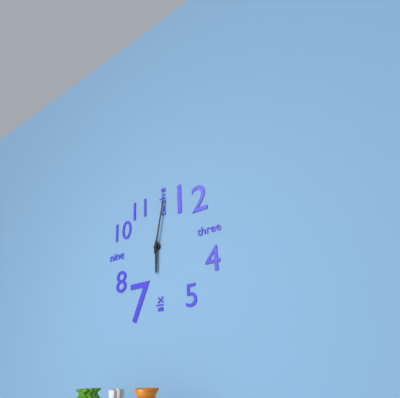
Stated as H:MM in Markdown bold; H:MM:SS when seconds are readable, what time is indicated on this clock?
**6:02**
